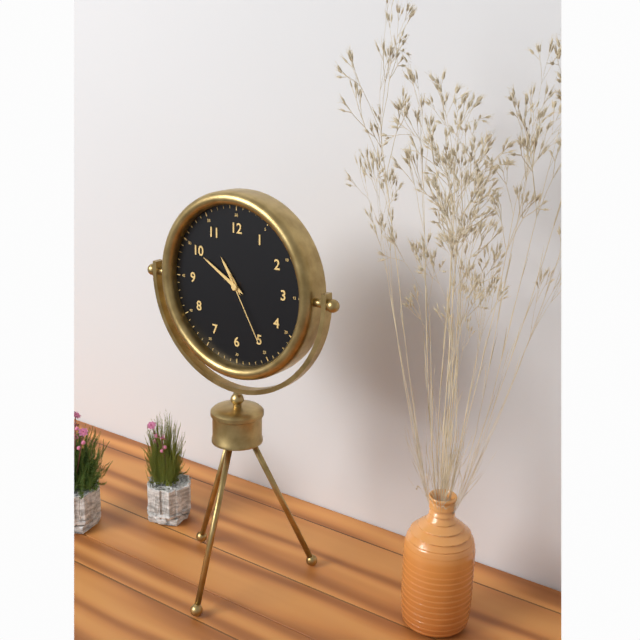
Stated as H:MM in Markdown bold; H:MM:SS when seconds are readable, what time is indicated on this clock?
**10:50:25**
